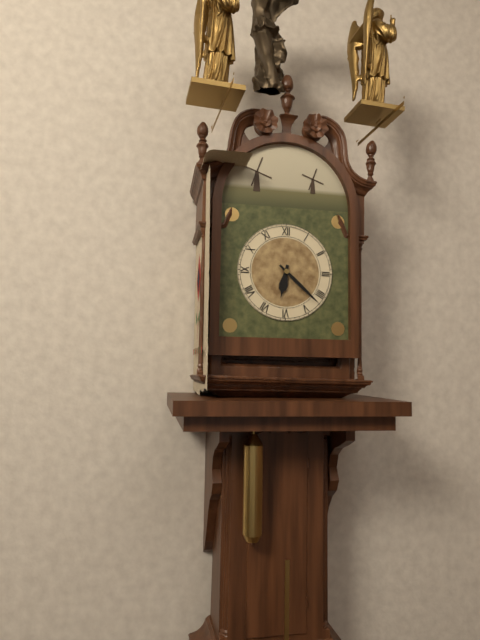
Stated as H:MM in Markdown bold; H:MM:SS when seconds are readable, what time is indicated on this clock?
**6:22**
